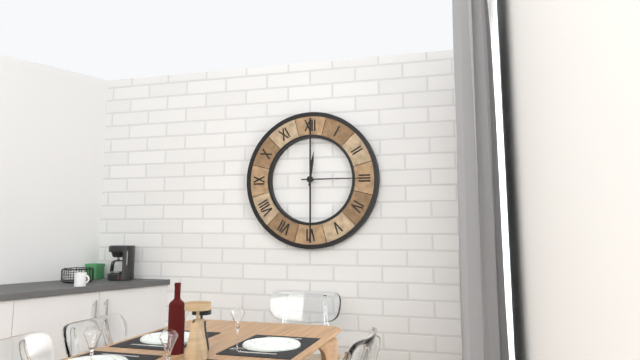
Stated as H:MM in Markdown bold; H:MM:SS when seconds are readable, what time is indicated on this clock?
**12:15**
